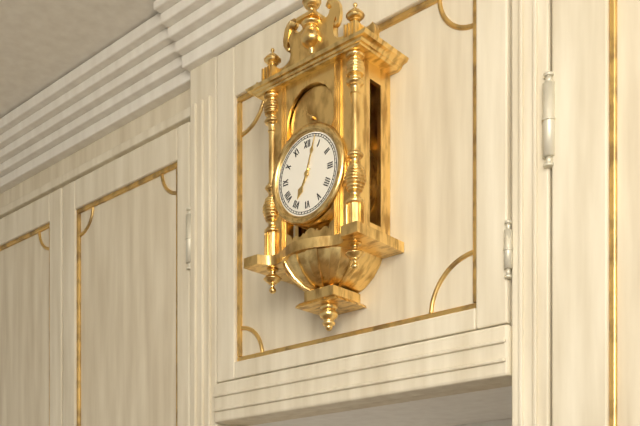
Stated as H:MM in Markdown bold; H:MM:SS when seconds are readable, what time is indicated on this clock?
**7:03**
